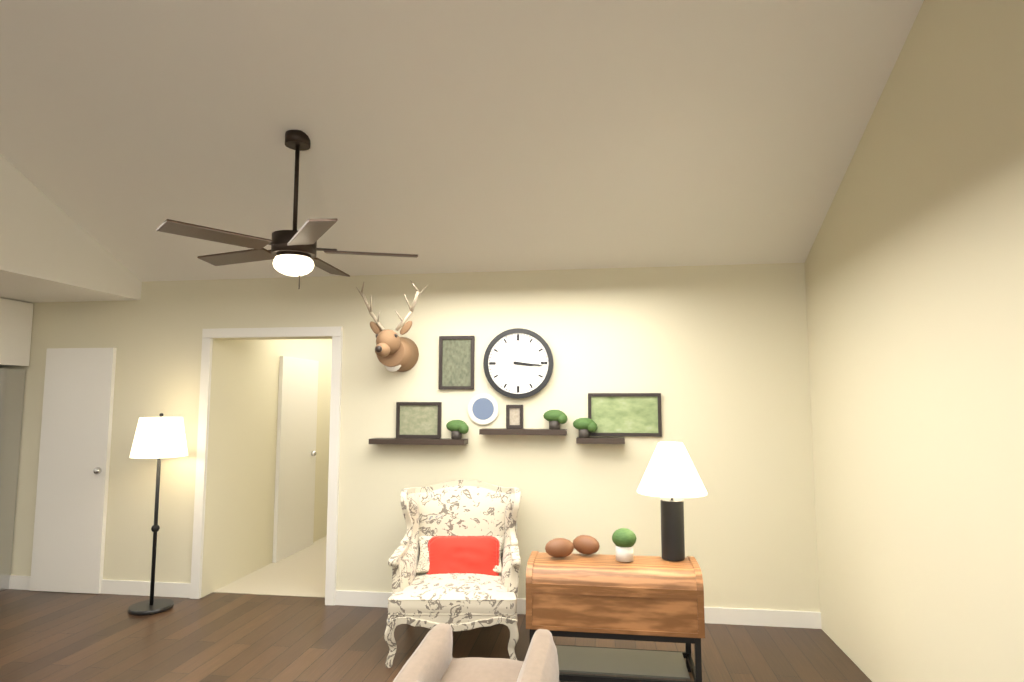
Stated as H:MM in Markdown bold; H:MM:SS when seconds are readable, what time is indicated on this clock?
**3:16**
